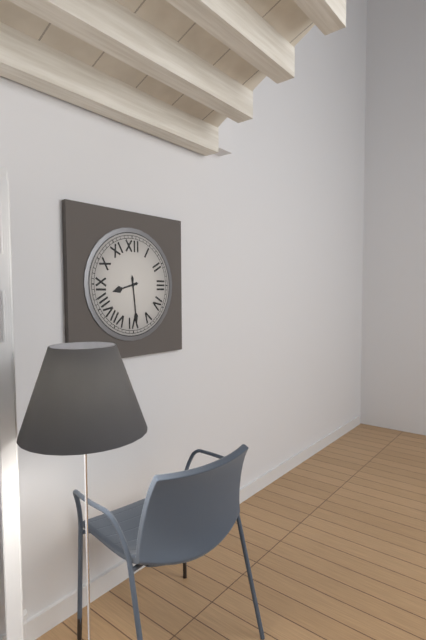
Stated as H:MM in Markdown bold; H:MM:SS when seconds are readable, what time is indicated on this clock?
**8:29**
